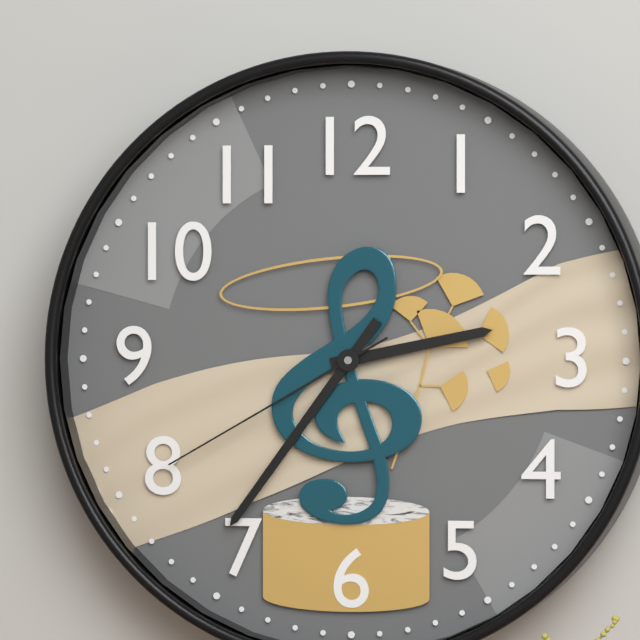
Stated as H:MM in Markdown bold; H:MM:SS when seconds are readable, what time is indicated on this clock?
**2:36:40**
